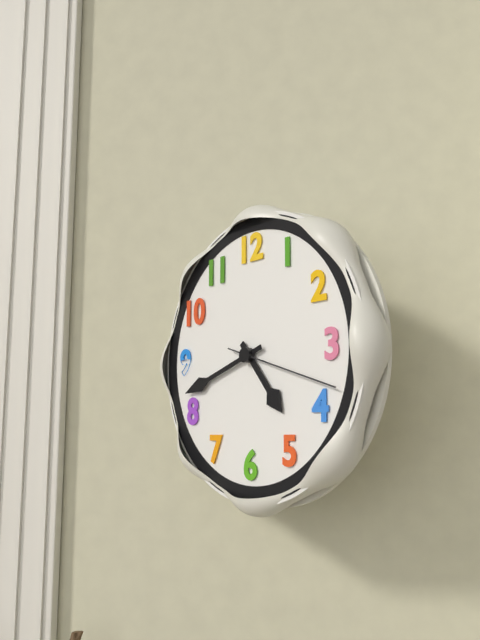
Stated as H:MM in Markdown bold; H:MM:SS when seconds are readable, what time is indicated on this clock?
**4:42:18**
